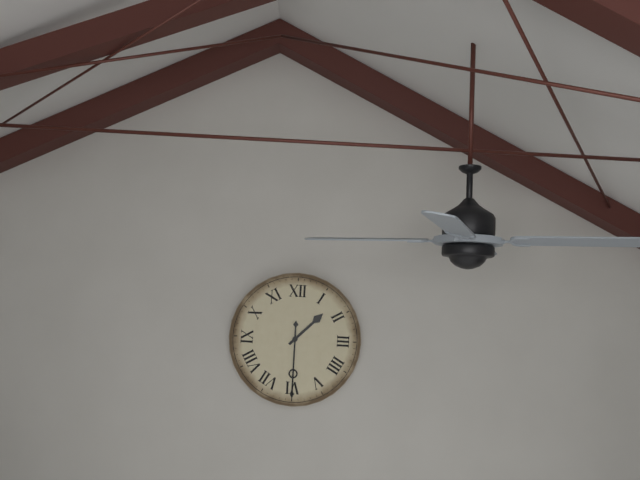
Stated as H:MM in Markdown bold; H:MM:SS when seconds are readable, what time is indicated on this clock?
**1:30**
